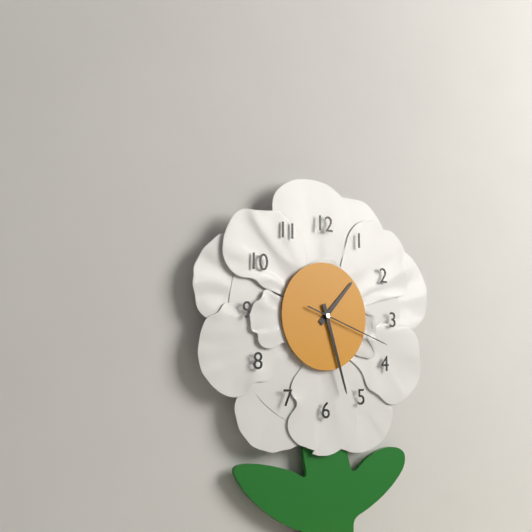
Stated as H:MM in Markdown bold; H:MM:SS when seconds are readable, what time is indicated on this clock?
**1:27:18**
